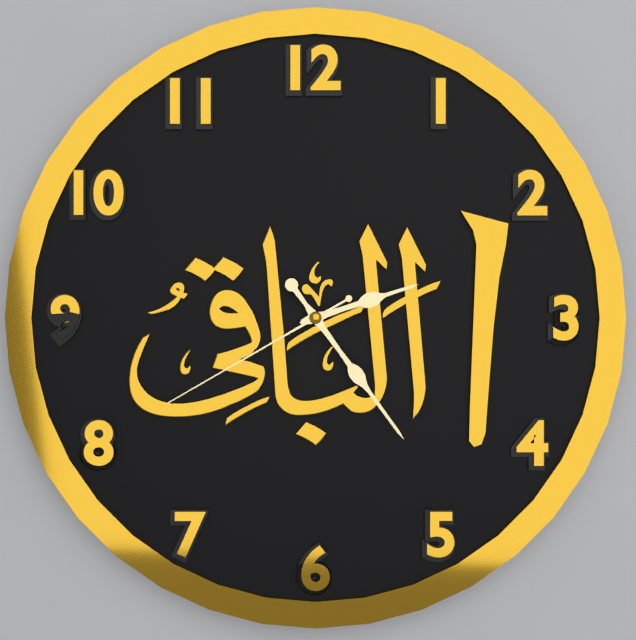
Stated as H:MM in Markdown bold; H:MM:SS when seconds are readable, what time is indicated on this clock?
**2:24:40**
